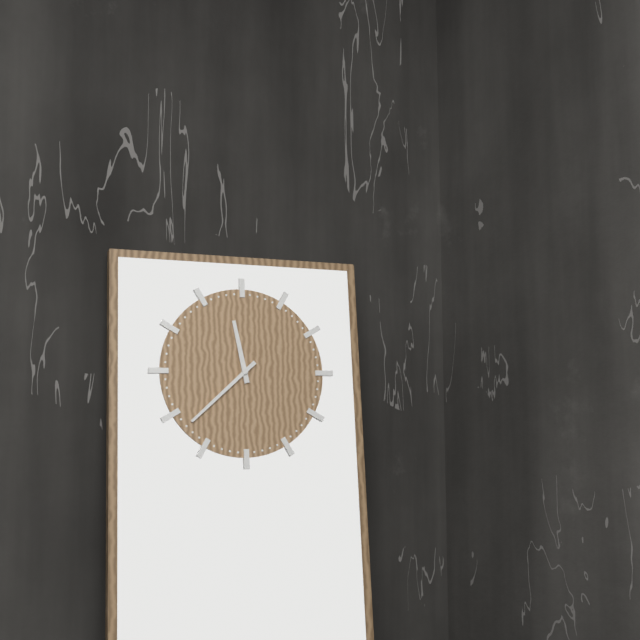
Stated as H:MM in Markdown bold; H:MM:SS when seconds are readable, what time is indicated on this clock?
**11:38**
